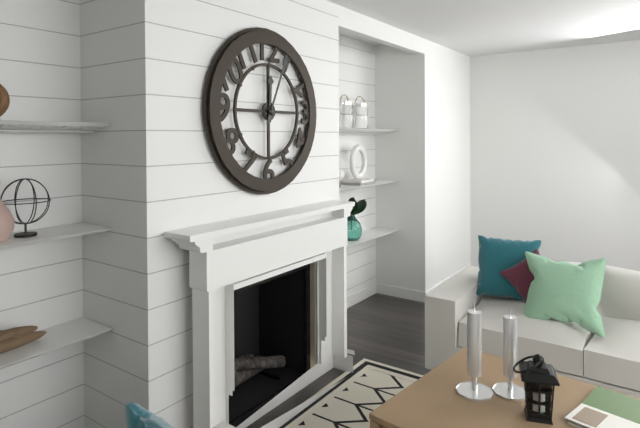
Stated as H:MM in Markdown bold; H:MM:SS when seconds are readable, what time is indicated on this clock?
**12:04**
